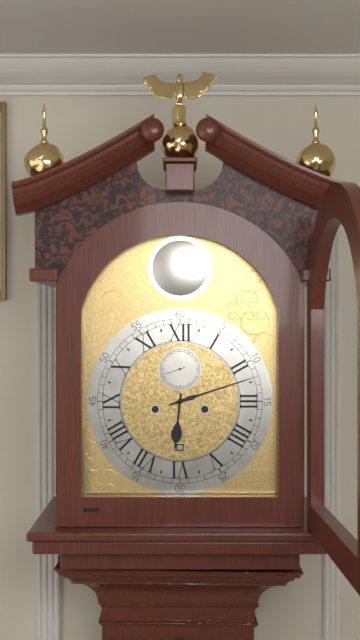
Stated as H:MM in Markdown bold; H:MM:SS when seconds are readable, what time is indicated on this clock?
**6:12**
